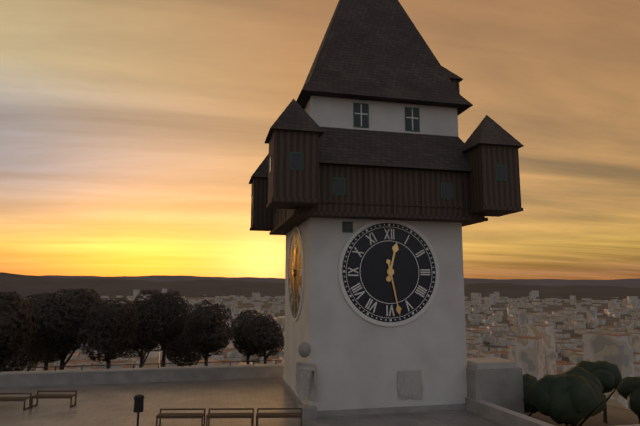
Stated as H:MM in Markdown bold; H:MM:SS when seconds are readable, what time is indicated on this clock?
**12:28**
